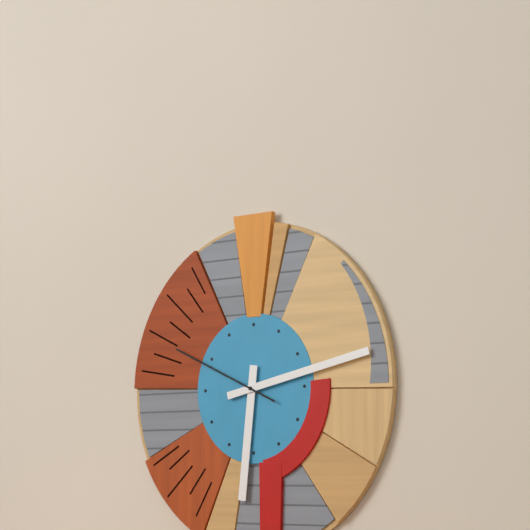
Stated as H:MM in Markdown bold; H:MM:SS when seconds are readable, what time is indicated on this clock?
**6:13:49**
